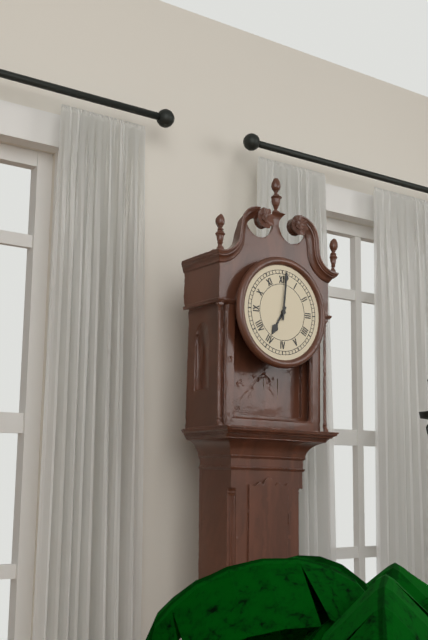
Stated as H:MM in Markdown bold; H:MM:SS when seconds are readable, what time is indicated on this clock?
**7:01**
